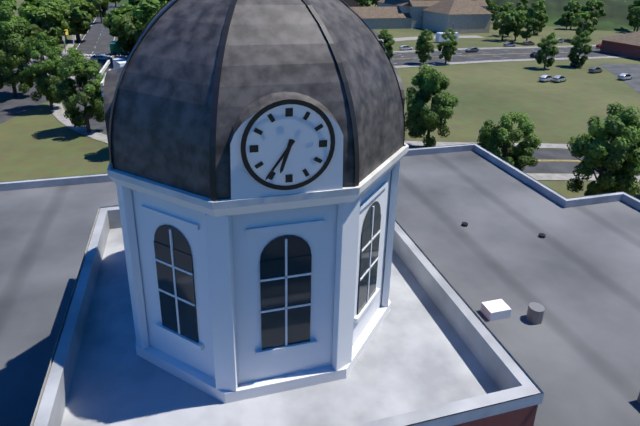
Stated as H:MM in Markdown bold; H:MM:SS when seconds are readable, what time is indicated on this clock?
**6:36**
